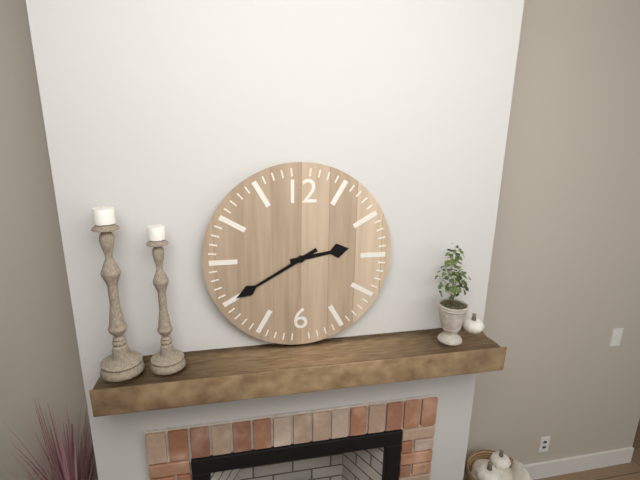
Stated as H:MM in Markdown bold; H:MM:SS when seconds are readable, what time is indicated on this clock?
**2:40**
